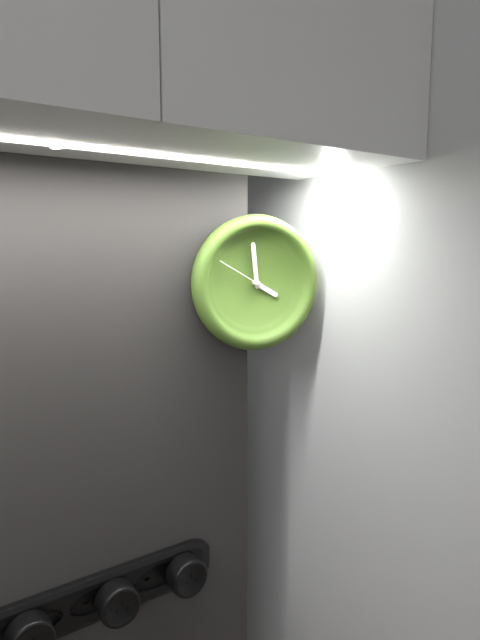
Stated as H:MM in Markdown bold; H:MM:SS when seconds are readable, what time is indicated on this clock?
**3:59**
